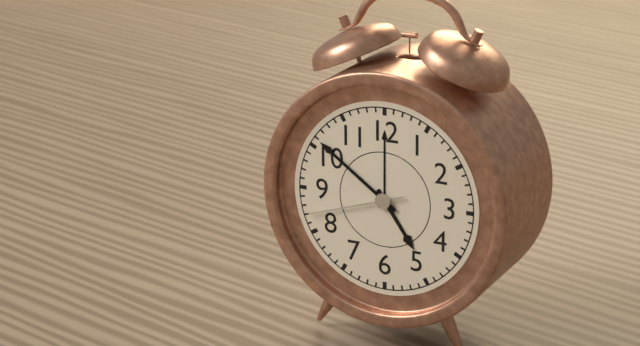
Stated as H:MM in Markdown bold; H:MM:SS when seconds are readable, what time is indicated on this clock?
**4:51:42**
